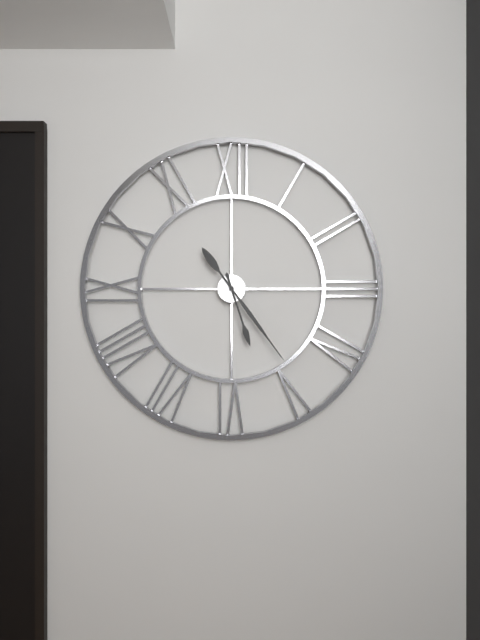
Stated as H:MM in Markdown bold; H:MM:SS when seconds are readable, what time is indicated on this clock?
**5:24**
